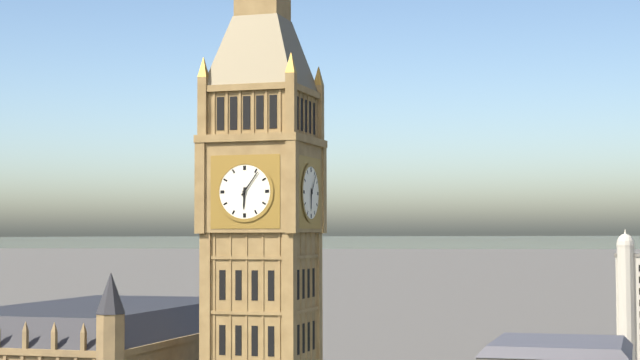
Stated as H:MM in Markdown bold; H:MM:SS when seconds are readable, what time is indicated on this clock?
**6:06**
